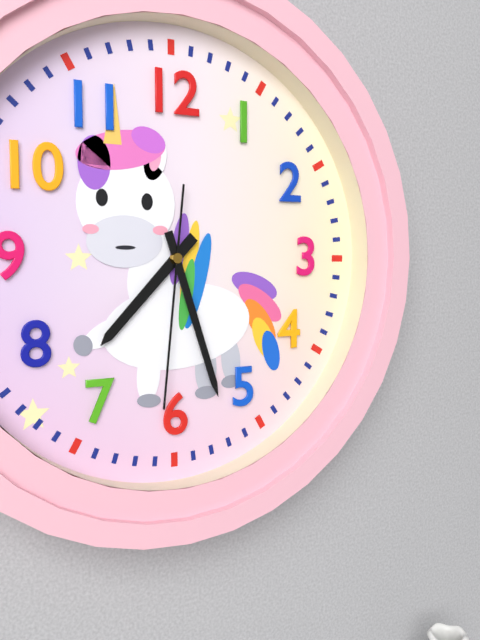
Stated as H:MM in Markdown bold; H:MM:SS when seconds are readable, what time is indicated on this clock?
**7:27:31**
